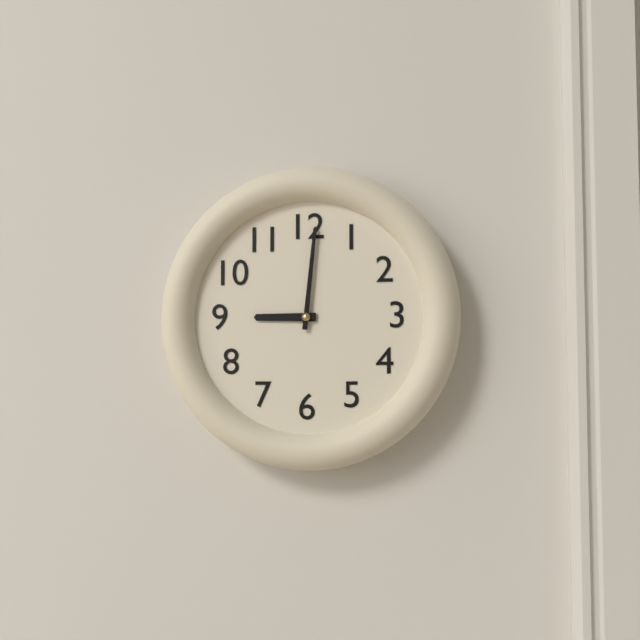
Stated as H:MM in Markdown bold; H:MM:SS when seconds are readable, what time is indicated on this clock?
**9:01**
